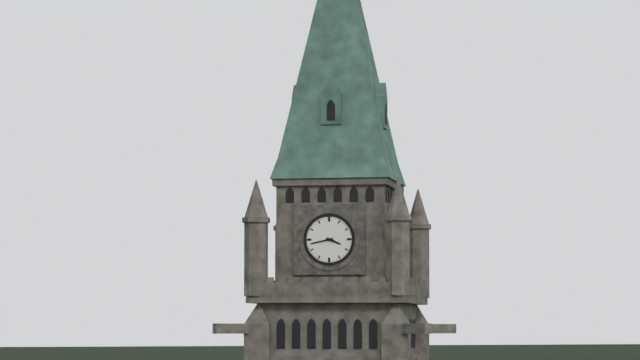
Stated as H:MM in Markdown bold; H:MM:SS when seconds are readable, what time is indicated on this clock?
**3:43**
